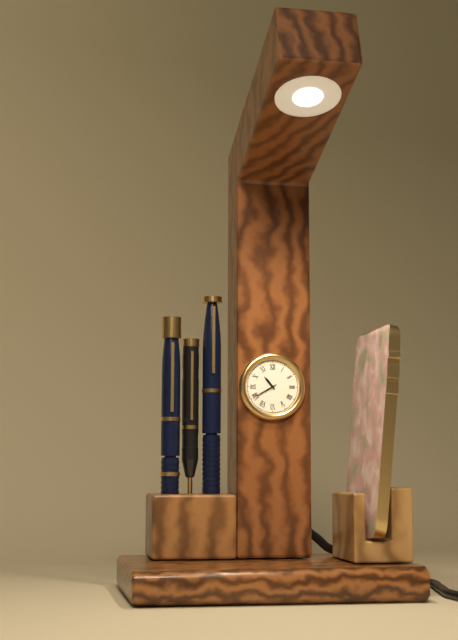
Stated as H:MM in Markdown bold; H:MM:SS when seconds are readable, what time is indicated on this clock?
**10:40**
